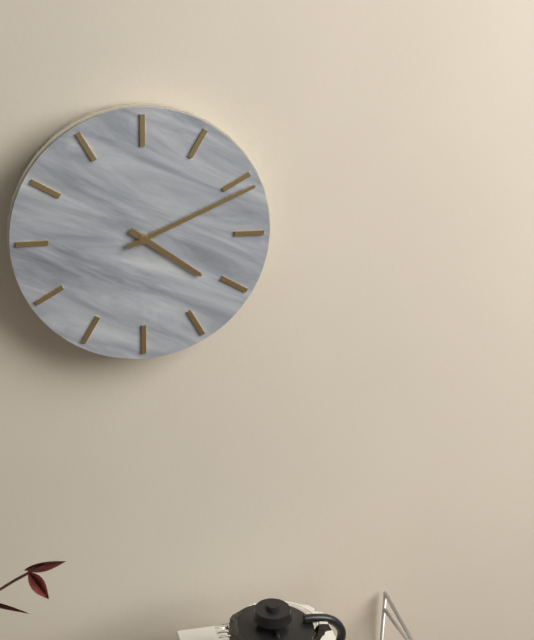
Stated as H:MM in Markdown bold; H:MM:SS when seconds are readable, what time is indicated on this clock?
**4:11**
